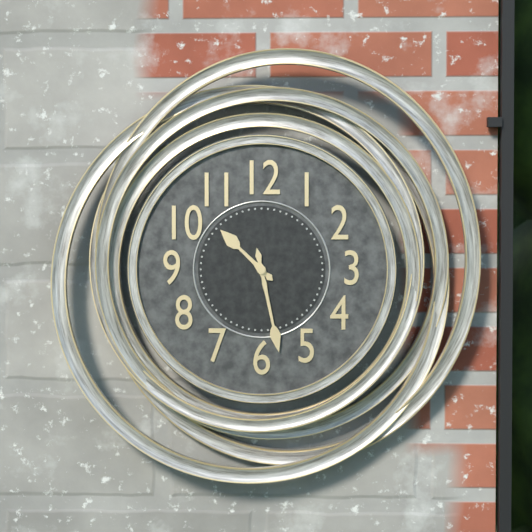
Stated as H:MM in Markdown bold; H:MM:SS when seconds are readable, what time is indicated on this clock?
**10:28**
